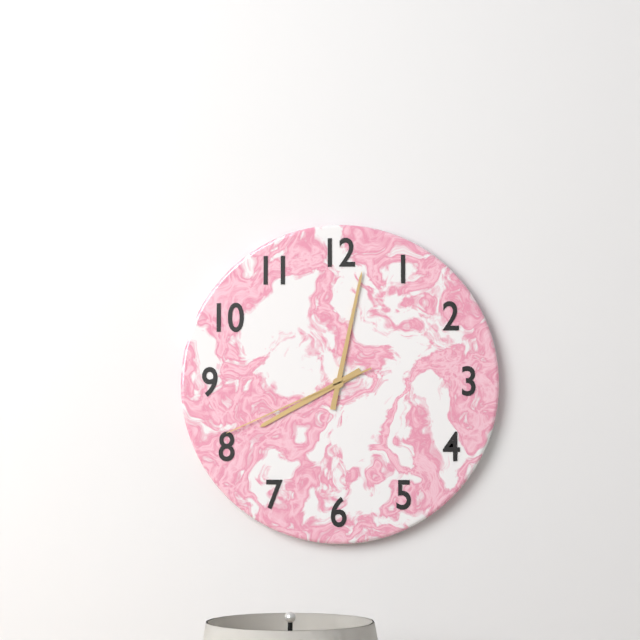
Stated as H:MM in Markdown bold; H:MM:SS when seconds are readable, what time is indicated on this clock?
**8:02:41**
